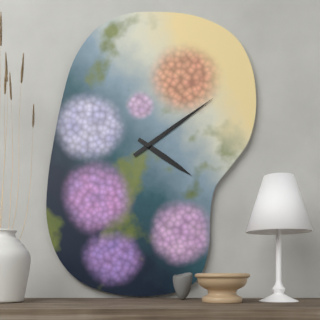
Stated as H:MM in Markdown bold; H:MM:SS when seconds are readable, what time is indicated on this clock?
**4:09**
